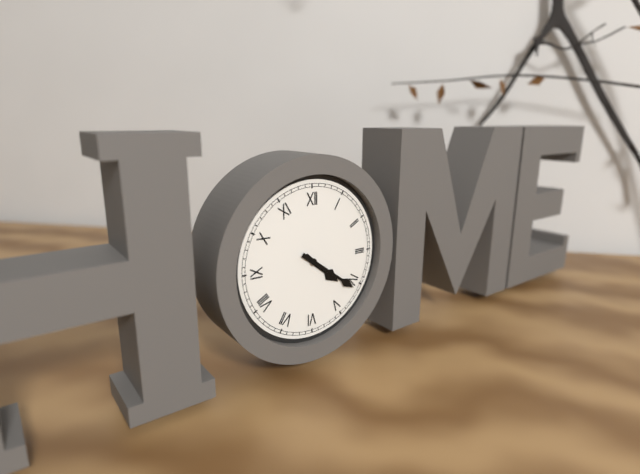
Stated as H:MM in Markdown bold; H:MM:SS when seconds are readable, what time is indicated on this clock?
**4:21**
